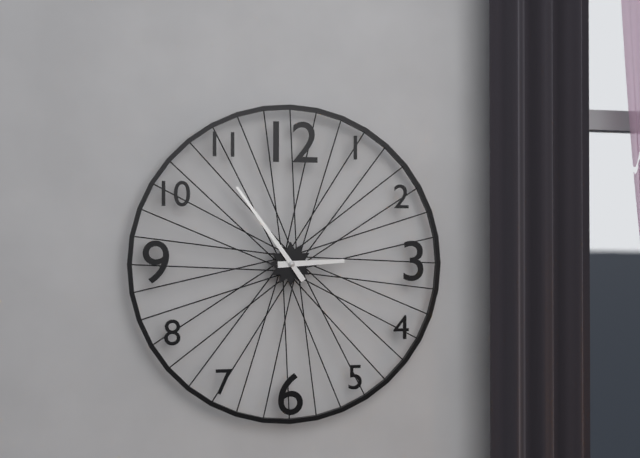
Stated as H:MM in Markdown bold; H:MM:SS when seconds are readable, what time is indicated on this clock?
**2:54**
